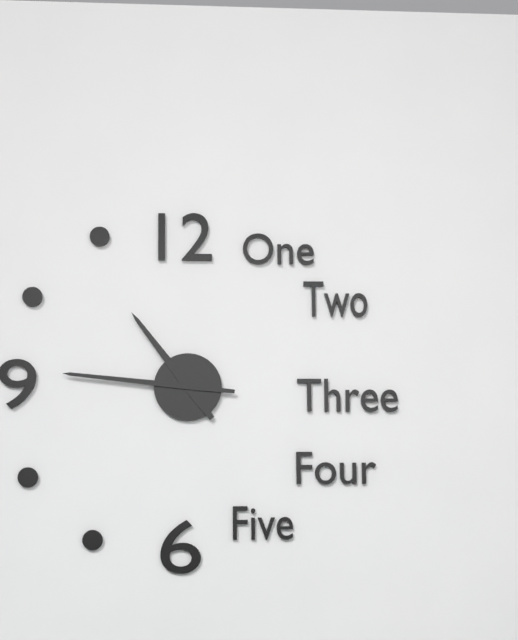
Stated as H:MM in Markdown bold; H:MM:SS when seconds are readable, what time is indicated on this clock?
**10:46**
